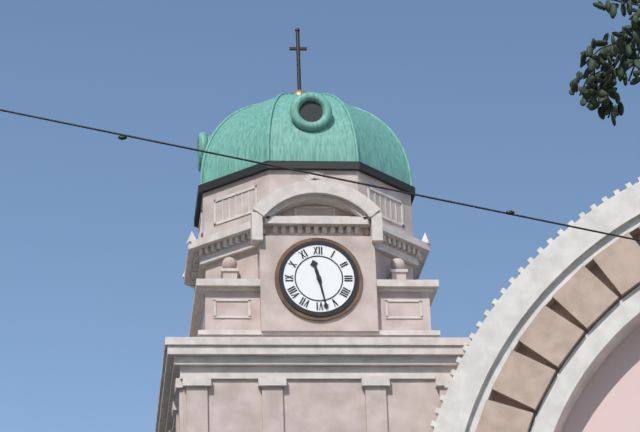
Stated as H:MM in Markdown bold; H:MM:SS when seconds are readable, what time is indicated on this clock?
**11:28**
